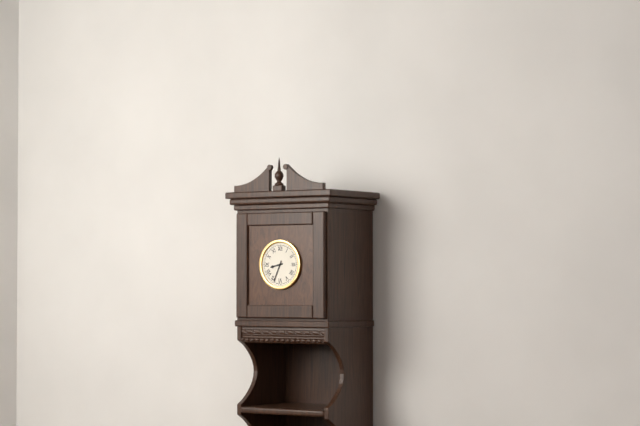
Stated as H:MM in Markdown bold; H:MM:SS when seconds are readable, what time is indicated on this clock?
**8:34**
